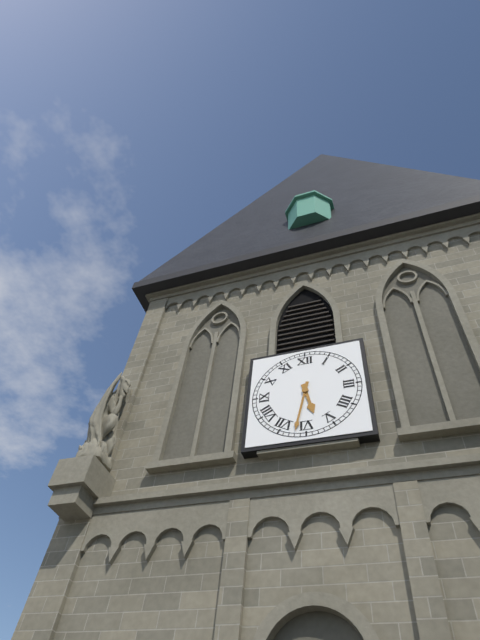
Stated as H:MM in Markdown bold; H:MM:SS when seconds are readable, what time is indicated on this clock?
**5:32**
